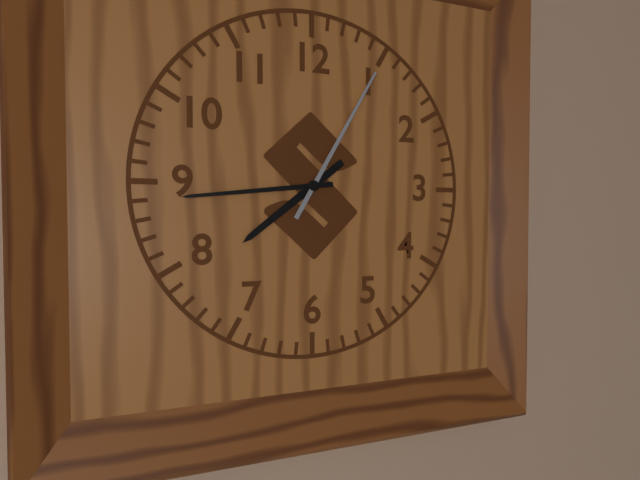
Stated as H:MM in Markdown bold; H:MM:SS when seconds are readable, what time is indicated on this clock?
**7:44:05**
